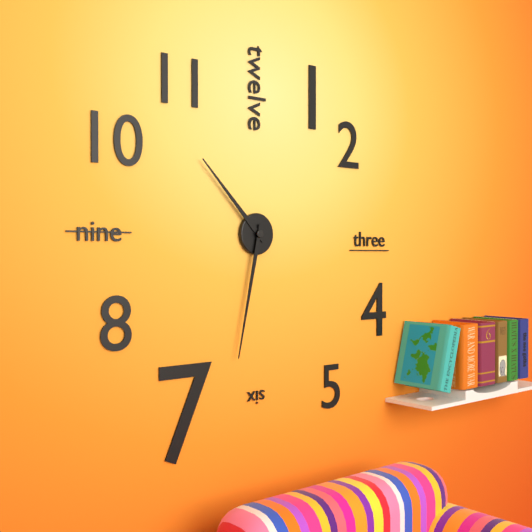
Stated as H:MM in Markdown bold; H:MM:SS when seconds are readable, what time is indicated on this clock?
**10:32**
